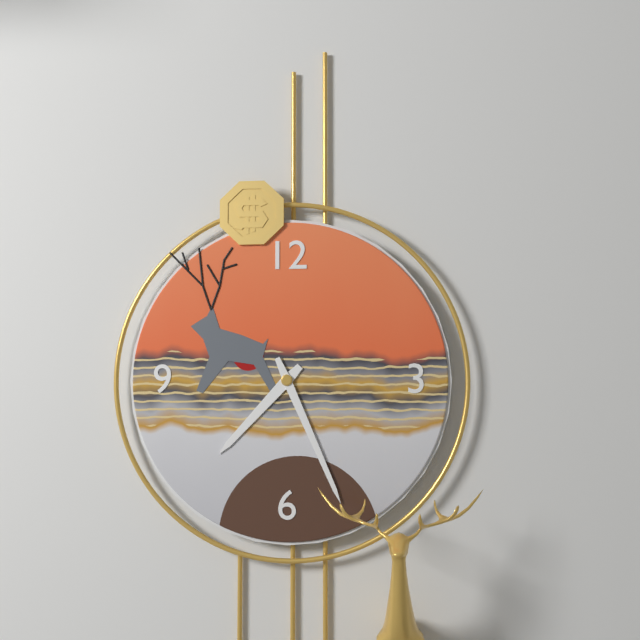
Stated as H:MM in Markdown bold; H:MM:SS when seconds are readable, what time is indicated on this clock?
**7:26**
